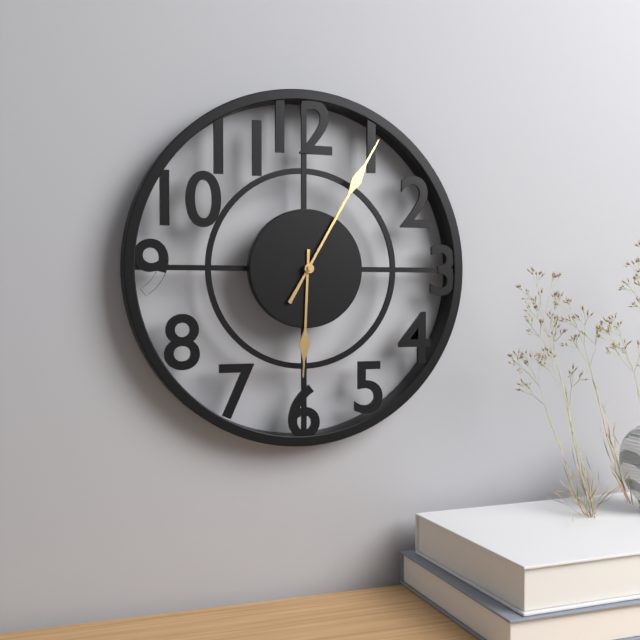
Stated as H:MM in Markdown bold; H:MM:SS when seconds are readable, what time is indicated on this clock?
**6:05**
